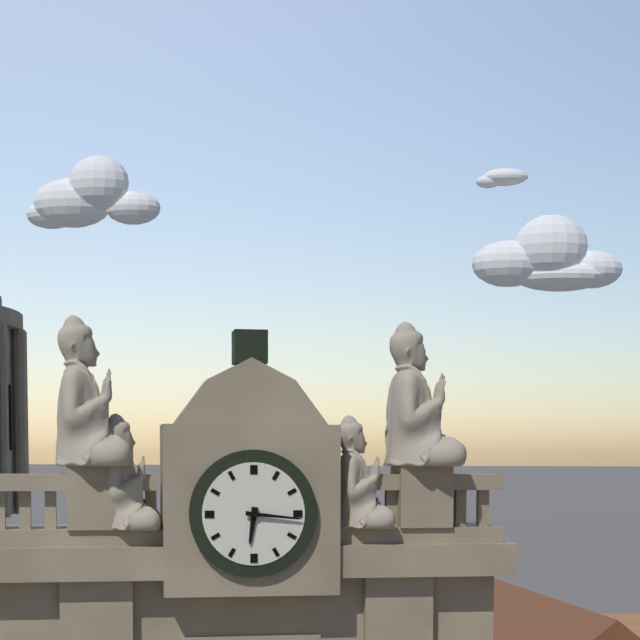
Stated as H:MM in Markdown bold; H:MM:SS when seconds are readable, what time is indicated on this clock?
**6:16**
